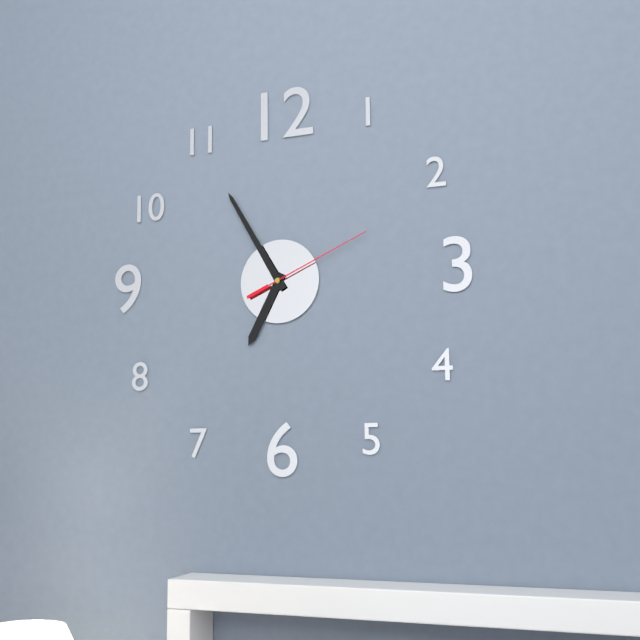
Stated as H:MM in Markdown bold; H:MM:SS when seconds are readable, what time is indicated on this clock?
**6:55:11**
